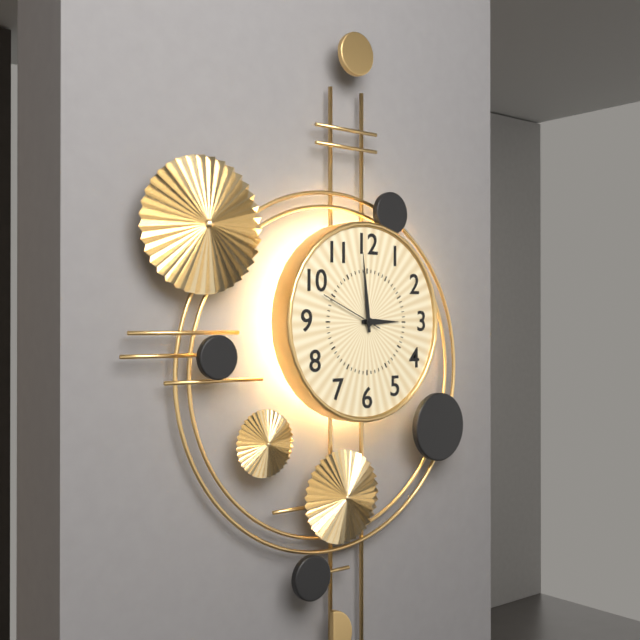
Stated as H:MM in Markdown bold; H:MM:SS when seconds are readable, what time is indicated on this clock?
**2:59:49**
